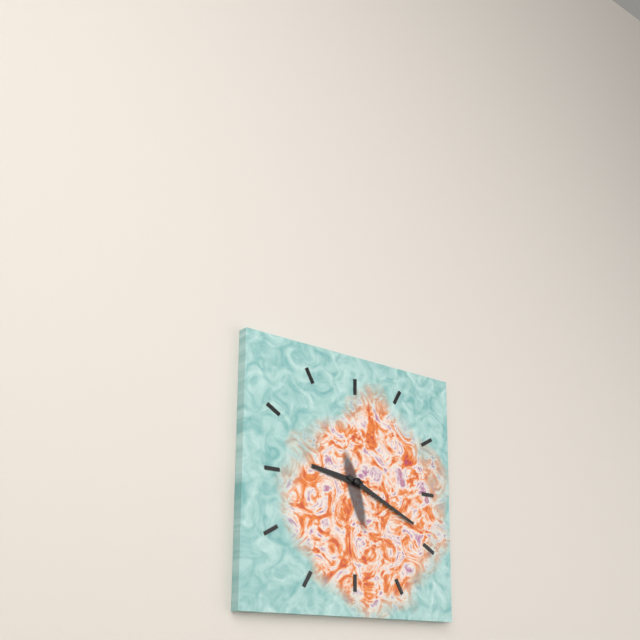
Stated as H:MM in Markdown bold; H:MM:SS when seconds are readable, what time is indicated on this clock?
**9:19**
